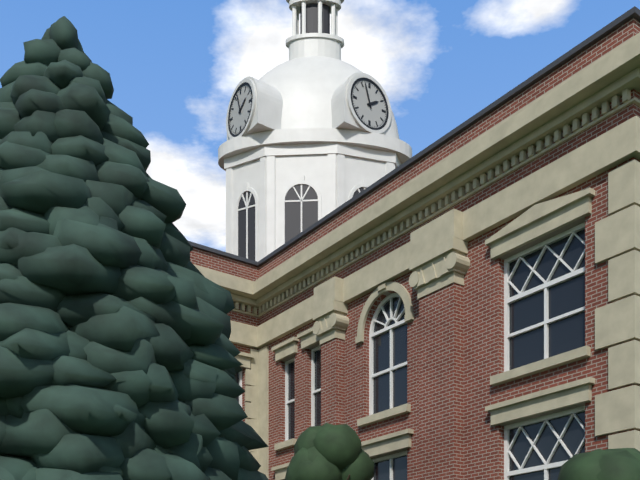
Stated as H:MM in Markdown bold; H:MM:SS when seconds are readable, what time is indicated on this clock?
**1:57**
